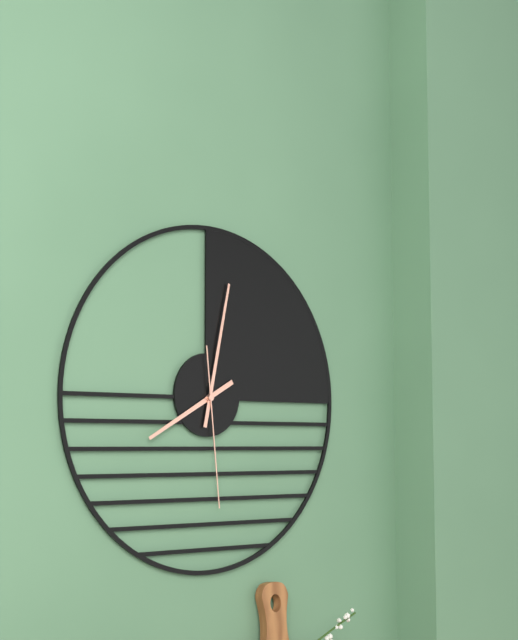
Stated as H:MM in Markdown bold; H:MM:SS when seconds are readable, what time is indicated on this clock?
**8:02:29**
